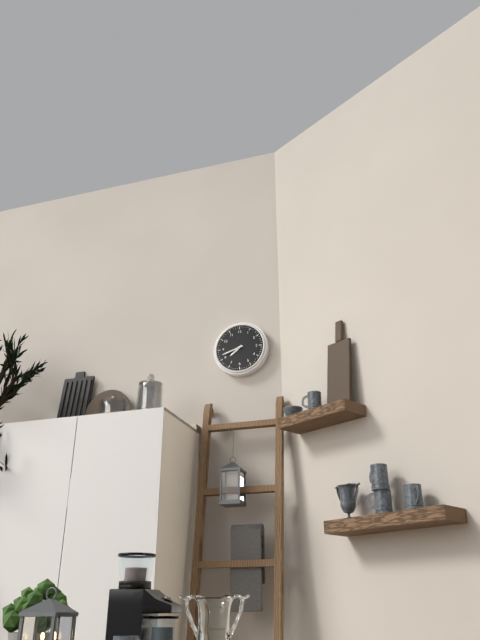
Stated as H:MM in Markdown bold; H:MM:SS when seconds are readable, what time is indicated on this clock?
**7:42**
